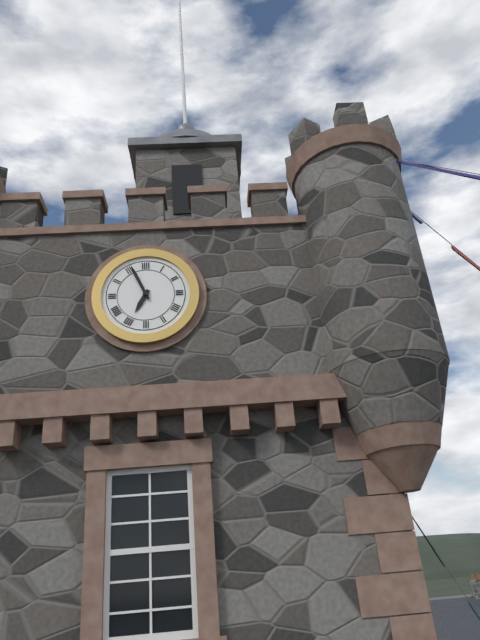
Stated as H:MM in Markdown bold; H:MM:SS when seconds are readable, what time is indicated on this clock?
**6:56**
